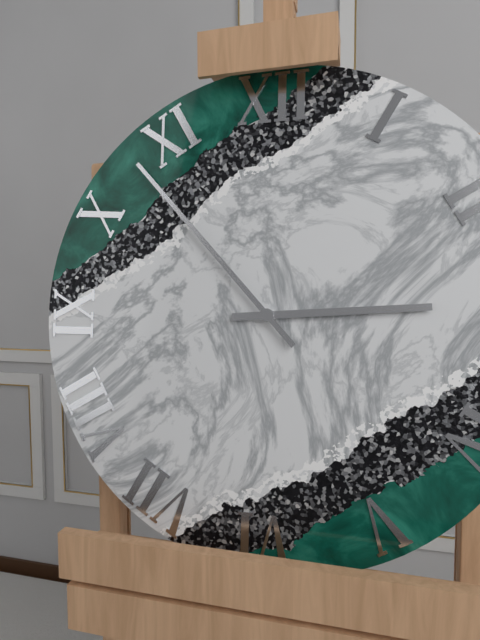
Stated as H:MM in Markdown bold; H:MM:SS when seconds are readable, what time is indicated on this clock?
**2:53**
